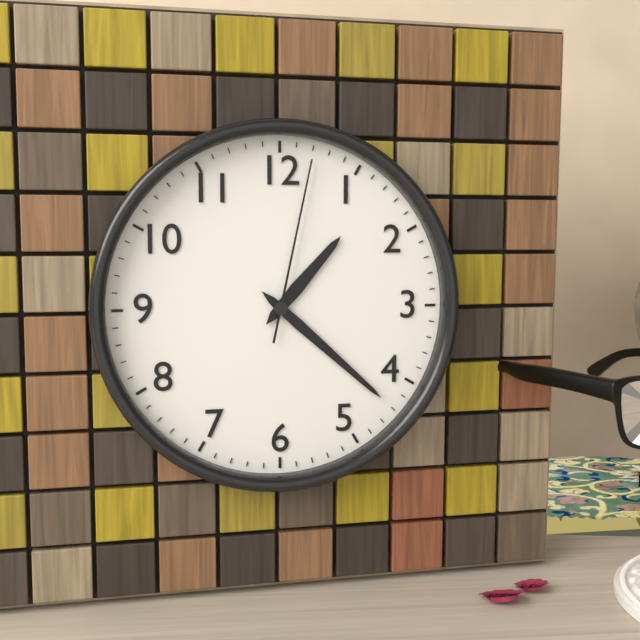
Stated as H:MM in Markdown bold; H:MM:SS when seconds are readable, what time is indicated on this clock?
**1:22:02**
